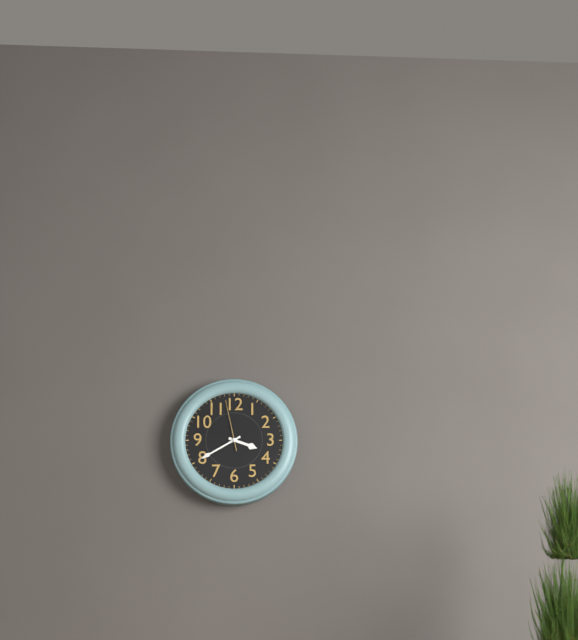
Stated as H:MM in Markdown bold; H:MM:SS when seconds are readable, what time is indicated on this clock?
**3:40:58**
